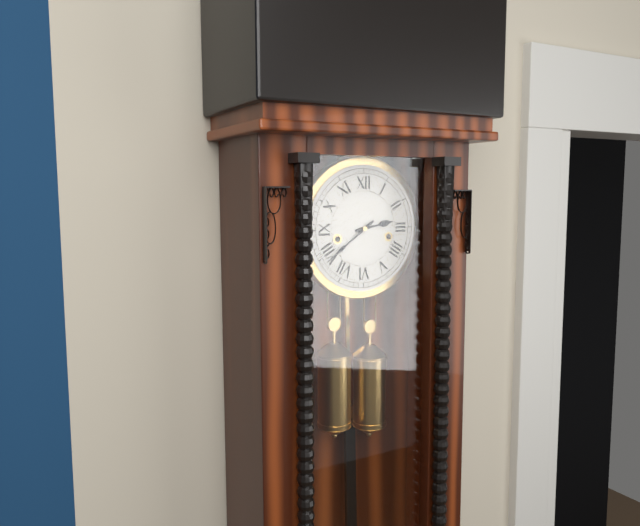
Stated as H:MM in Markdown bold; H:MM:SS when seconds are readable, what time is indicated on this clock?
**2:39**
